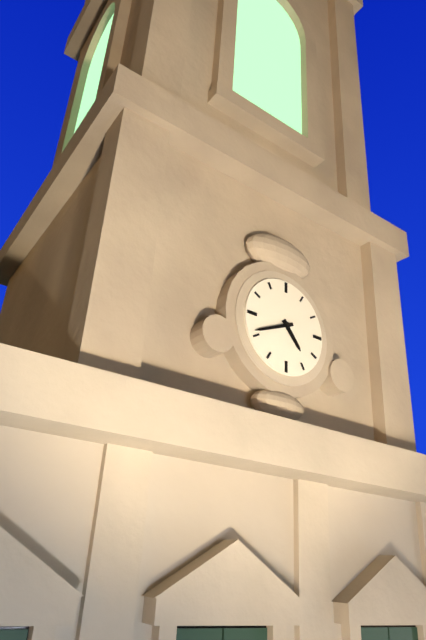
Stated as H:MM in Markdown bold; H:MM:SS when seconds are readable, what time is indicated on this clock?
**4:41**
